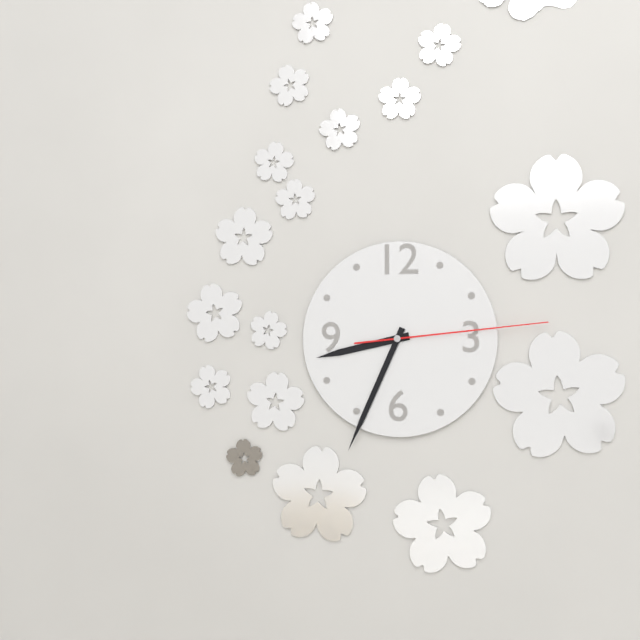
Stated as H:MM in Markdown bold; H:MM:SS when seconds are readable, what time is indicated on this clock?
**8:34:14**
